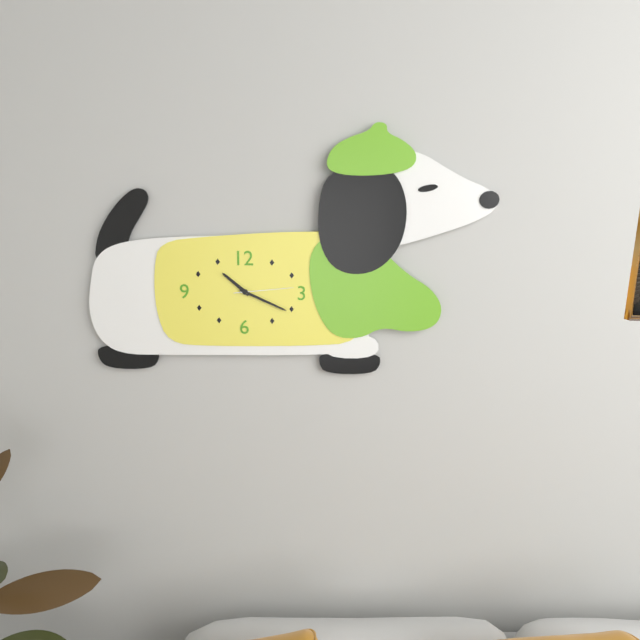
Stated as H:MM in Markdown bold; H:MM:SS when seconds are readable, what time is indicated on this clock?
**10:19:14**
